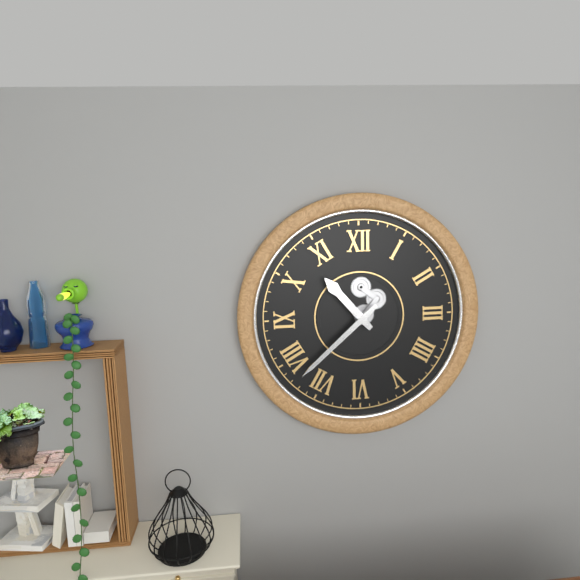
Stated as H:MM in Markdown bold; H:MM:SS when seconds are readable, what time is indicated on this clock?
**10:38**
